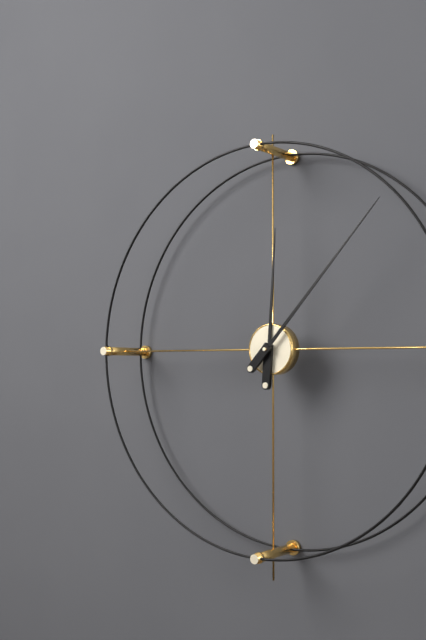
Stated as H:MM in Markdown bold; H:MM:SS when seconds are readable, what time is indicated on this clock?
**12:07**
